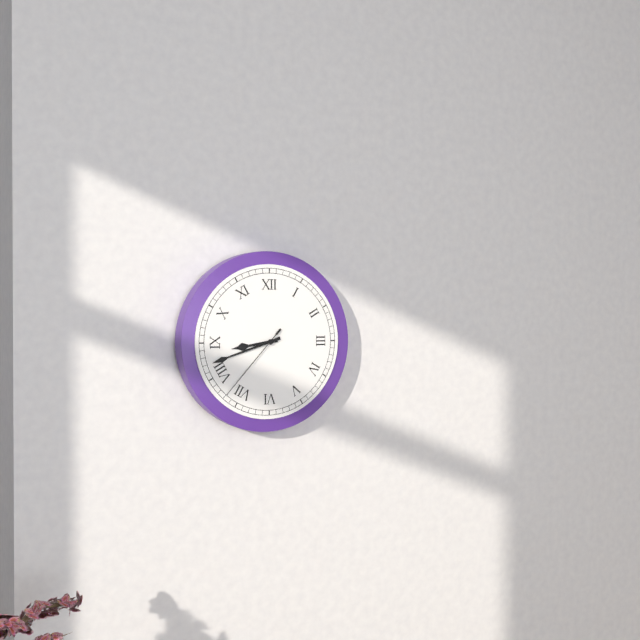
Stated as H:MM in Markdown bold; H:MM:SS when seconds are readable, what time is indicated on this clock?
**8:42:37**
